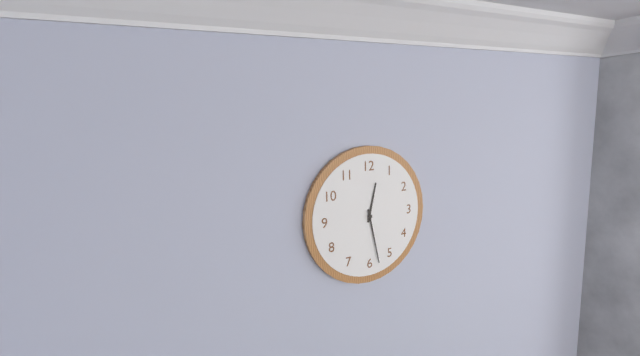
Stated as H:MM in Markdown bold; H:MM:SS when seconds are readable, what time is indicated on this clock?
**12:28**
